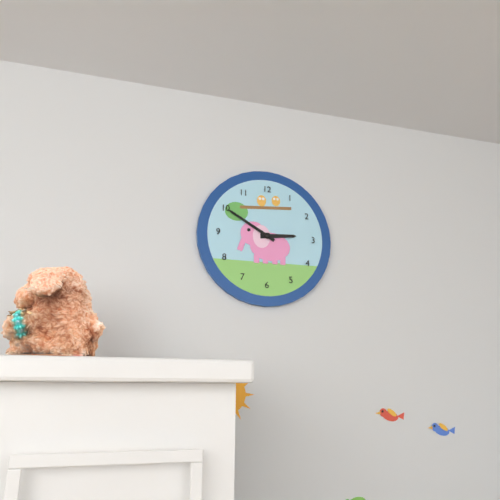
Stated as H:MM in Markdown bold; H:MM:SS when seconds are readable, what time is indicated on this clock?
**2:50**
